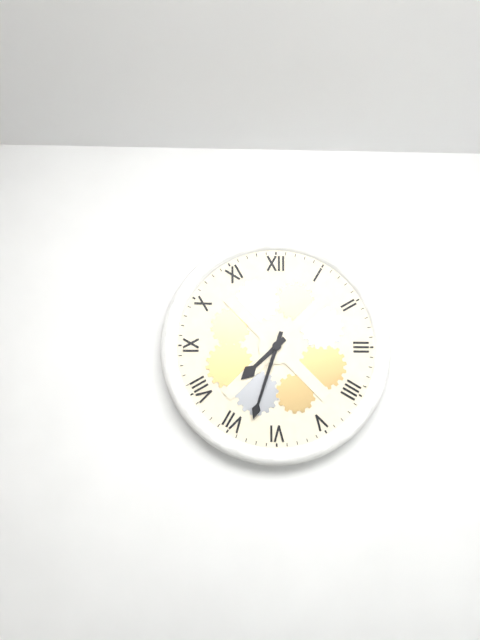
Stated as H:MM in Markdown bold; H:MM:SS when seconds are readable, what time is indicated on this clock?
**7:33**
